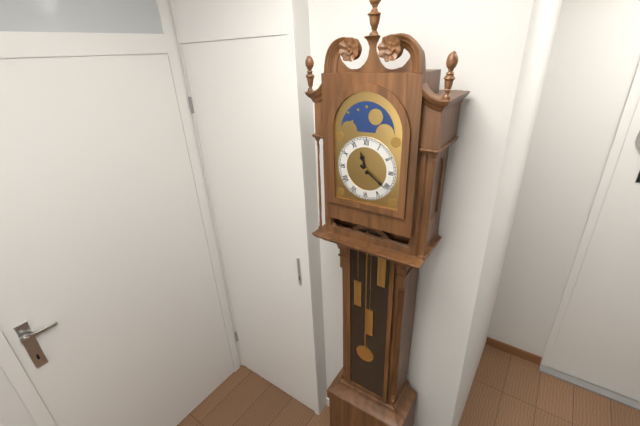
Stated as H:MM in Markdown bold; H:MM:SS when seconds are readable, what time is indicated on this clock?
**11:21**
